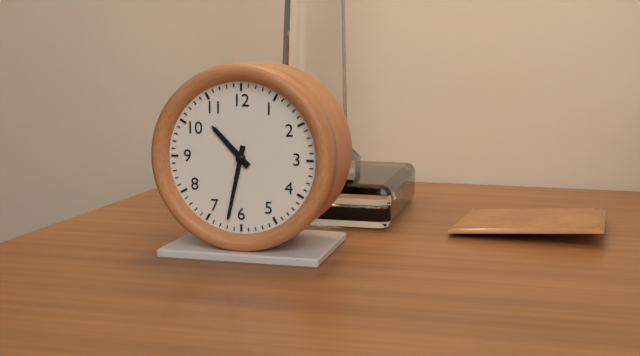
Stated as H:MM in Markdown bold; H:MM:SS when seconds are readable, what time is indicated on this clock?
**10:32**
